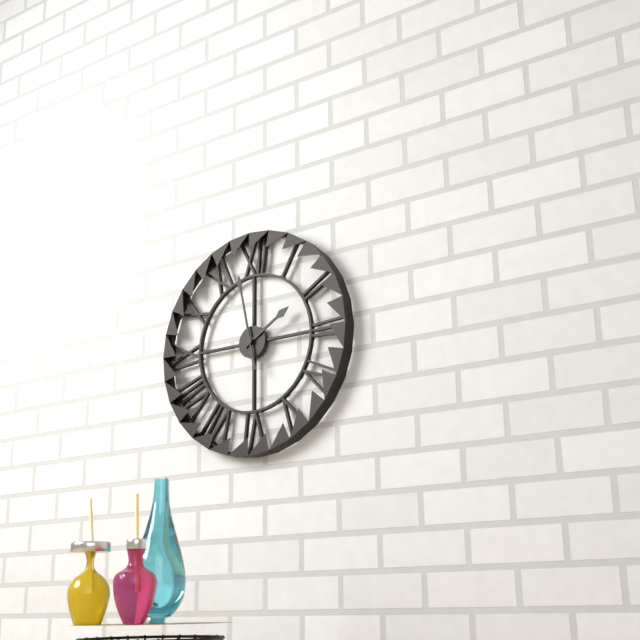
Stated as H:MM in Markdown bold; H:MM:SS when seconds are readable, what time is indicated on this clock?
**1:58**
